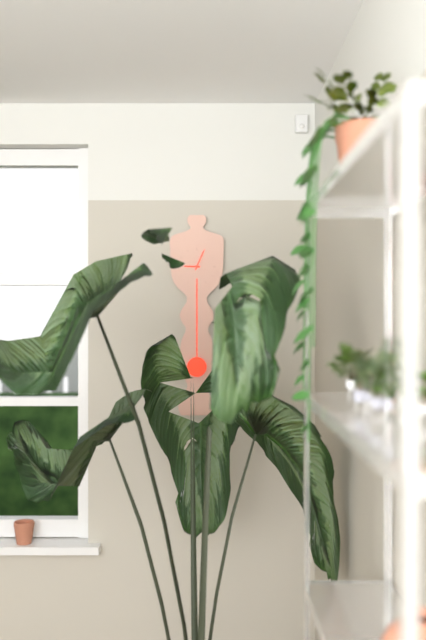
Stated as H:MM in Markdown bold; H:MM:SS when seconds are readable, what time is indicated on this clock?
**9:04**
